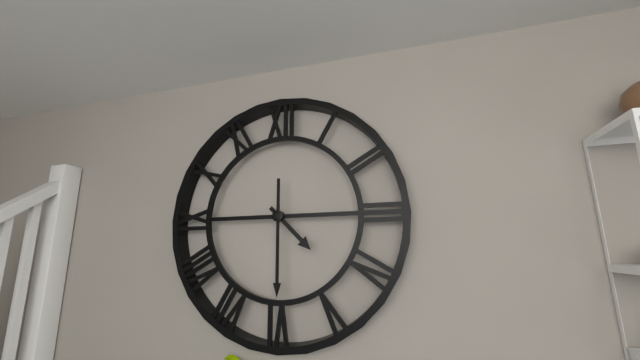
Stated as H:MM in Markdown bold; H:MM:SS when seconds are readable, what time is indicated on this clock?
**4:30**
